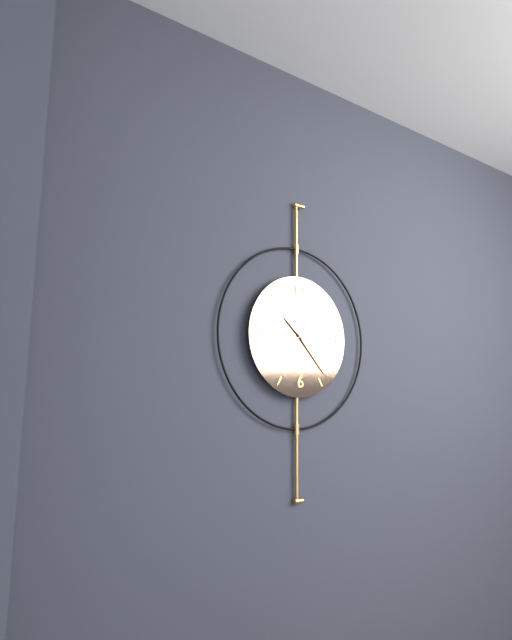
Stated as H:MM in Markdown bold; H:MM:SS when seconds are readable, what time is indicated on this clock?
**10:23**
